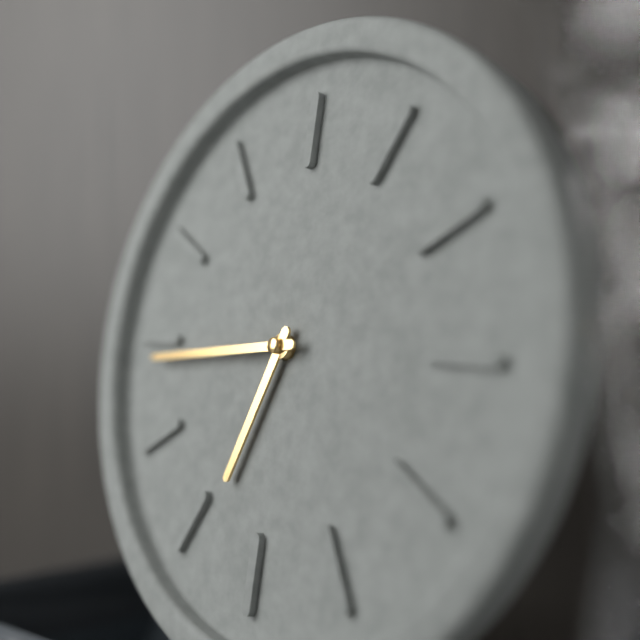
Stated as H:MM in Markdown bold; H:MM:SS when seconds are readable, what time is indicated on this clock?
**6:44**
